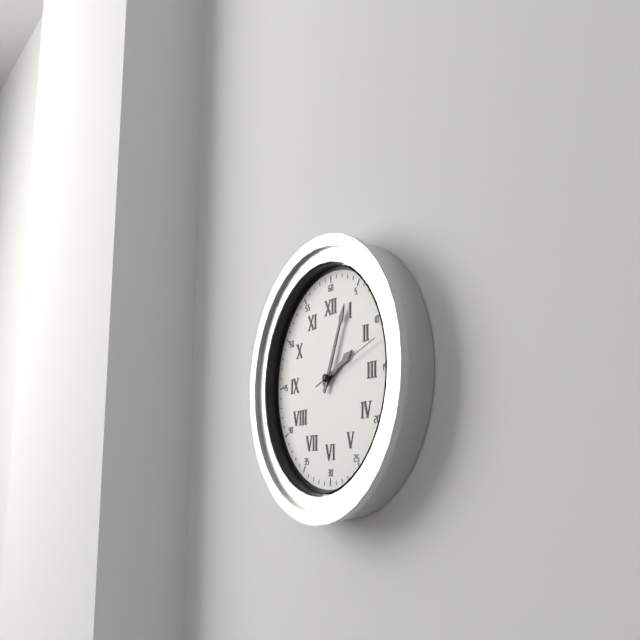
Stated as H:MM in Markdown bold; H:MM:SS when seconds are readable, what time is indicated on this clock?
**2:04:12**
